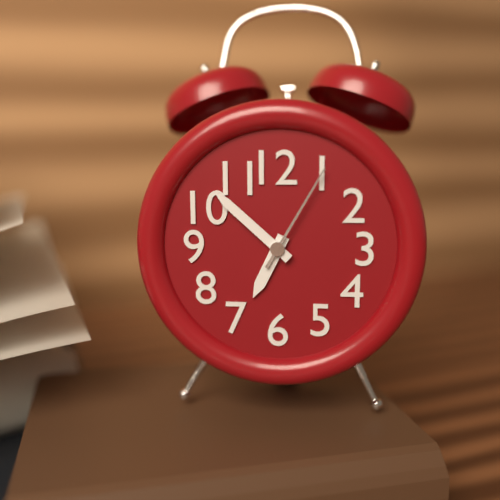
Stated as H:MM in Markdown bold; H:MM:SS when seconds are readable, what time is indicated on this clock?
**6:52:05**
